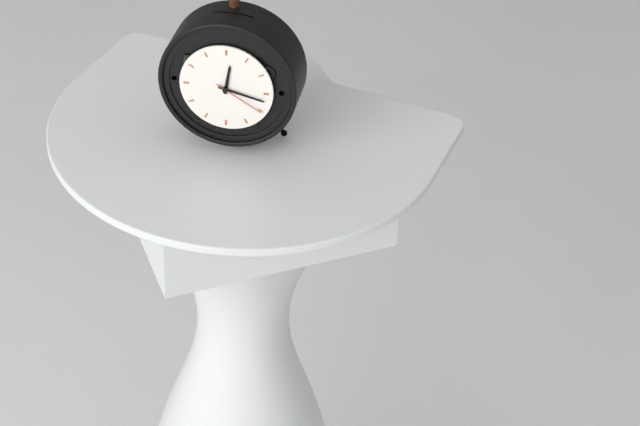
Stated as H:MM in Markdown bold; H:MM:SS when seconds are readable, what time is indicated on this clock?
**12:17:20**
